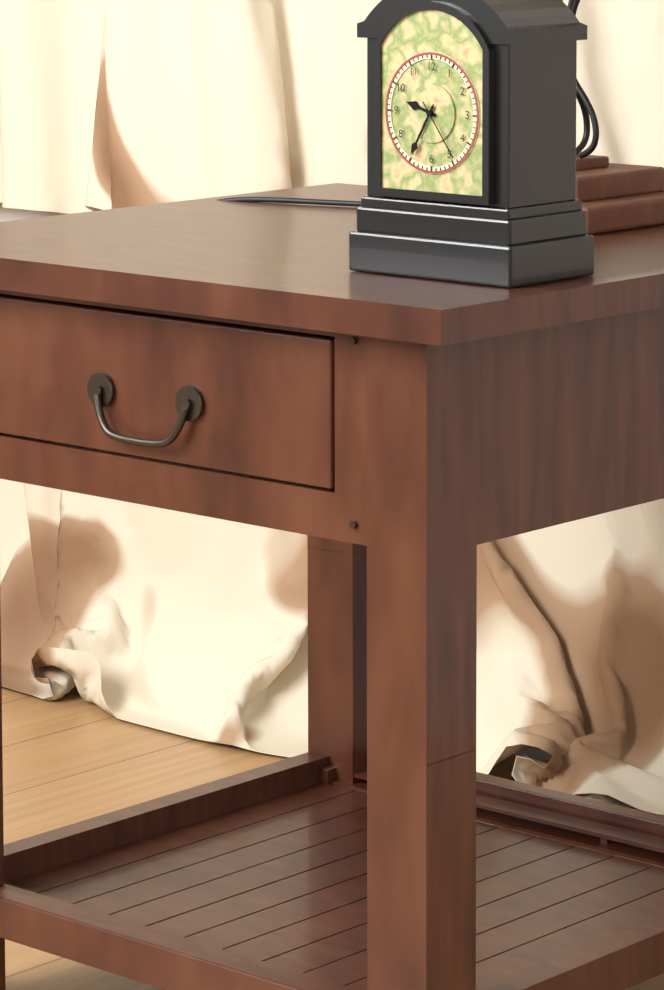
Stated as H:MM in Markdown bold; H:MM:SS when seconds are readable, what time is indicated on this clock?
**9:35:24**
